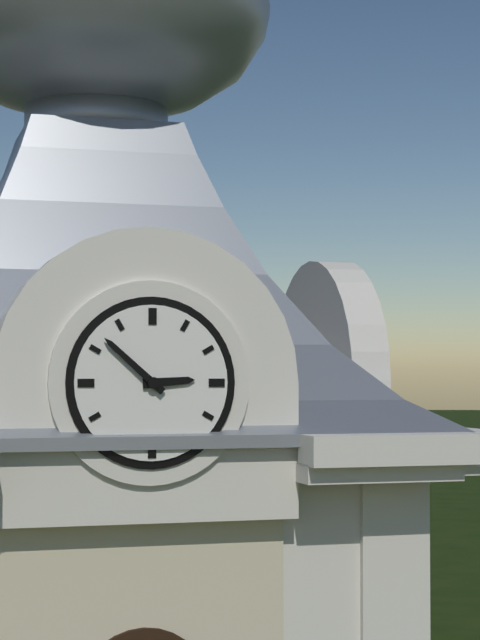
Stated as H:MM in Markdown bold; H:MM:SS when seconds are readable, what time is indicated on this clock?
**2:52**
